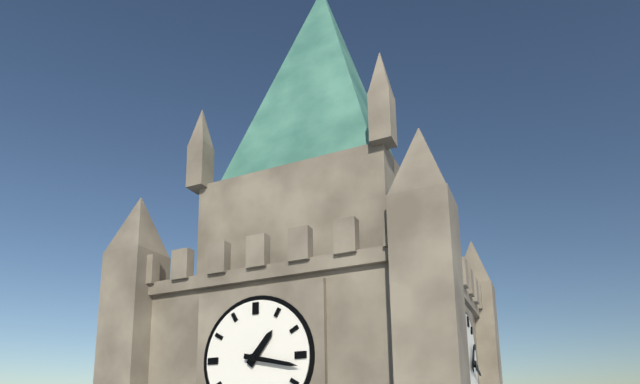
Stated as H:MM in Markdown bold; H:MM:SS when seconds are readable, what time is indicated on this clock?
**1:17**
